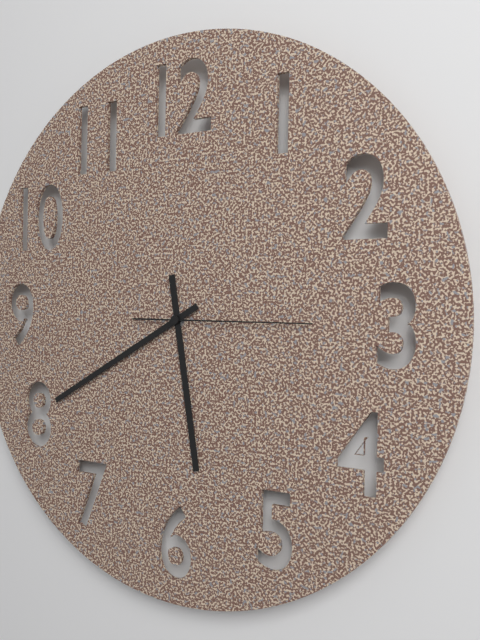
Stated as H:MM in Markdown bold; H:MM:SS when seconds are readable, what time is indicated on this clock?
**5:40:15**
